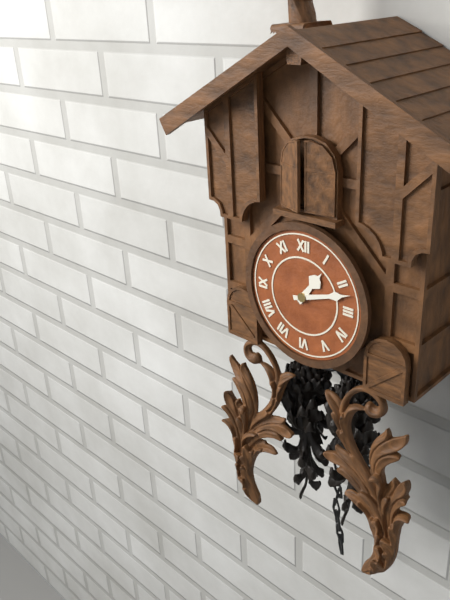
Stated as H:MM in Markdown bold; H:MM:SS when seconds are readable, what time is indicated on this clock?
**1:12**
